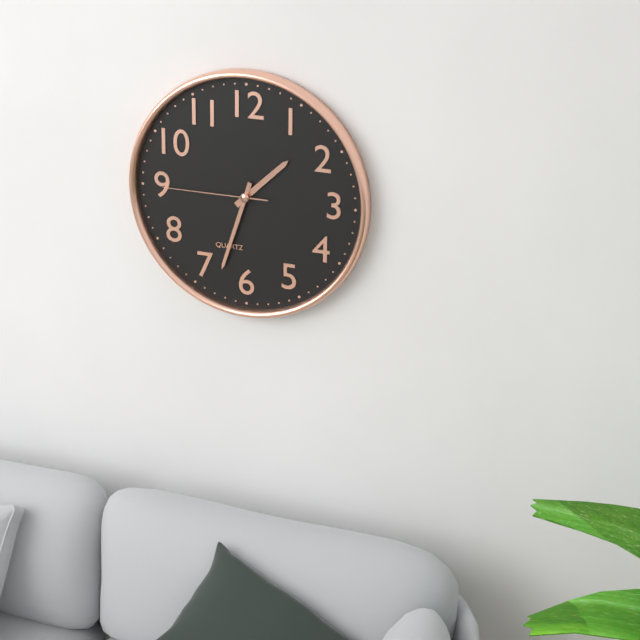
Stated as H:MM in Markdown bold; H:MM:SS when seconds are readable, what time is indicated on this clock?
**1:33:45**
